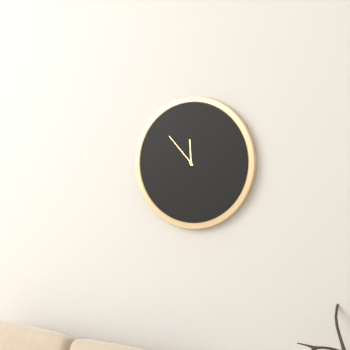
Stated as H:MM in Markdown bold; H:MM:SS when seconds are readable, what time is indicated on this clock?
**11:53**
